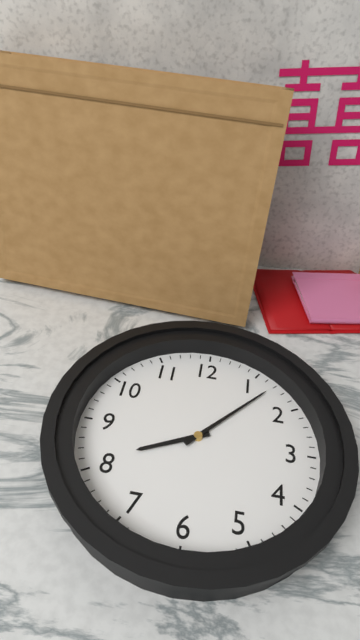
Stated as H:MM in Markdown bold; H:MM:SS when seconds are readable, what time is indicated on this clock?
**8:07**
